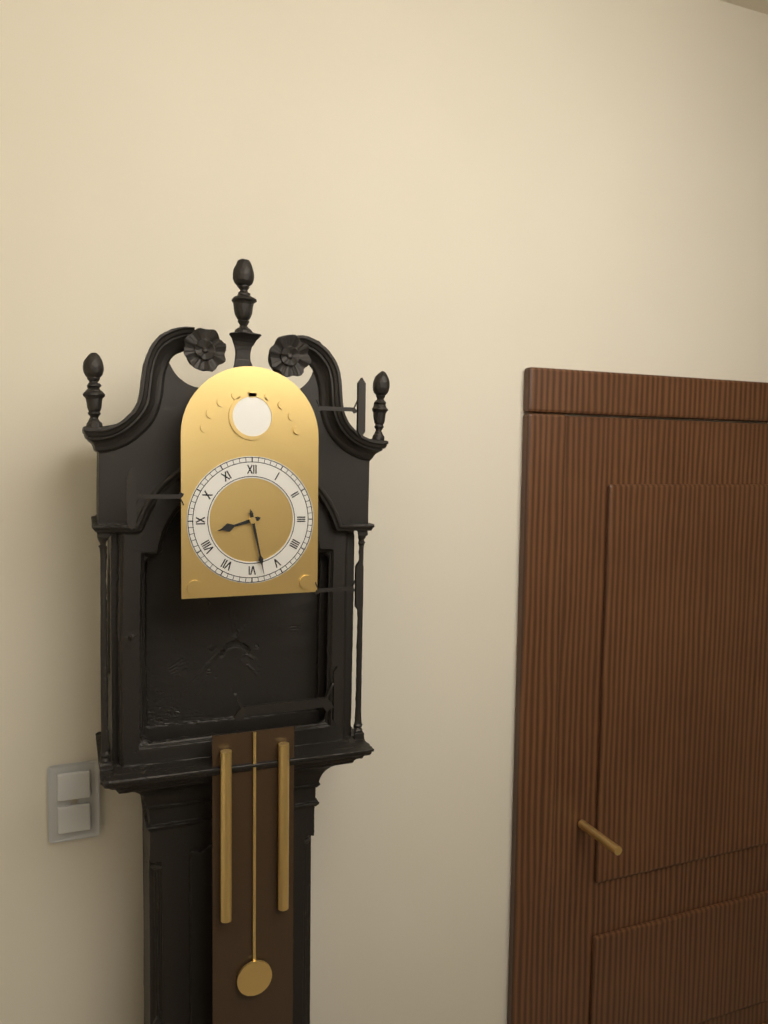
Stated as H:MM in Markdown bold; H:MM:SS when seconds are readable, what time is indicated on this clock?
**8:28**
